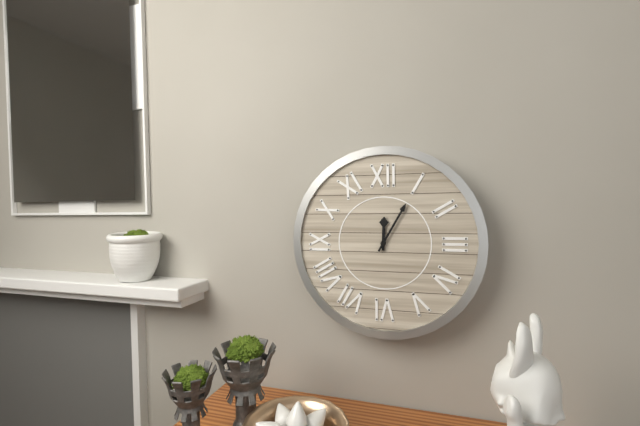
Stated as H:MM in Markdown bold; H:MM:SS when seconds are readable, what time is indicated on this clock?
**12:05**
